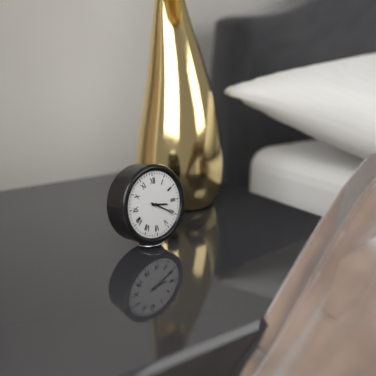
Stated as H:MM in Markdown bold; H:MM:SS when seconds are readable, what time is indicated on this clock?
**3:20**
